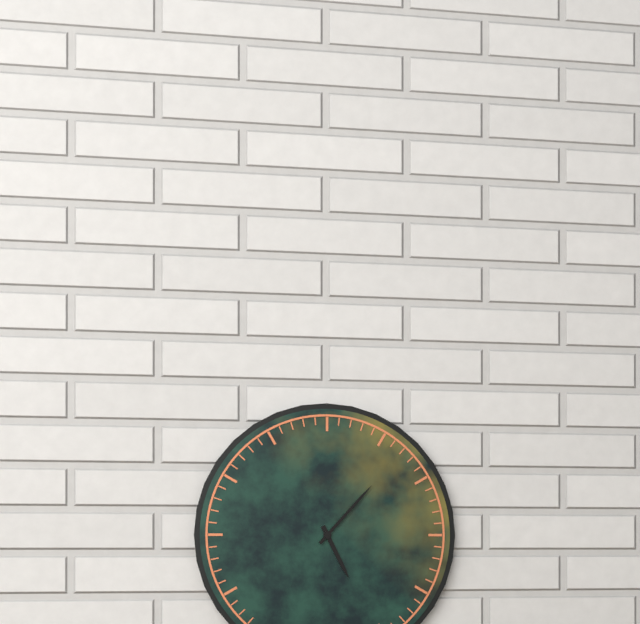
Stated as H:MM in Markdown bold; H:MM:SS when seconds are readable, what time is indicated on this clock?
**5:07**
